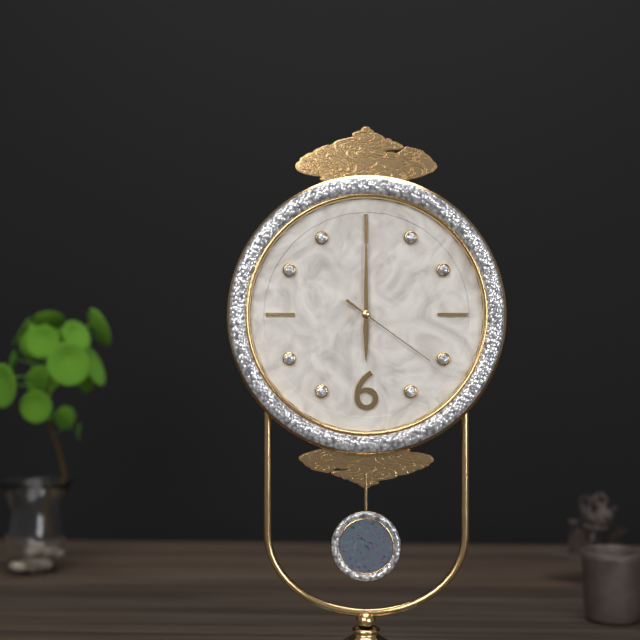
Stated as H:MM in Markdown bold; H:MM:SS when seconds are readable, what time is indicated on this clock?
**6:00:21**
